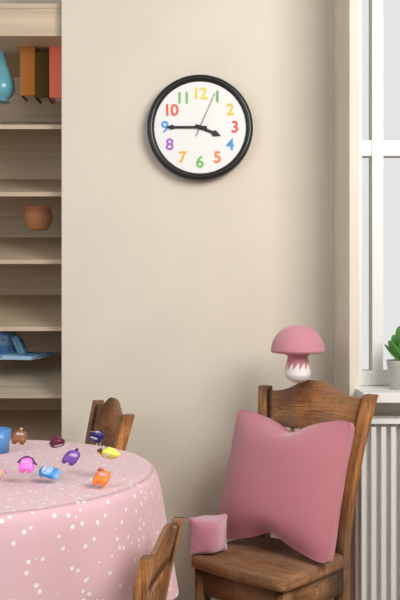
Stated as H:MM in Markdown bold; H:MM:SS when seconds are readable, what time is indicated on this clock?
**3:45:04**
